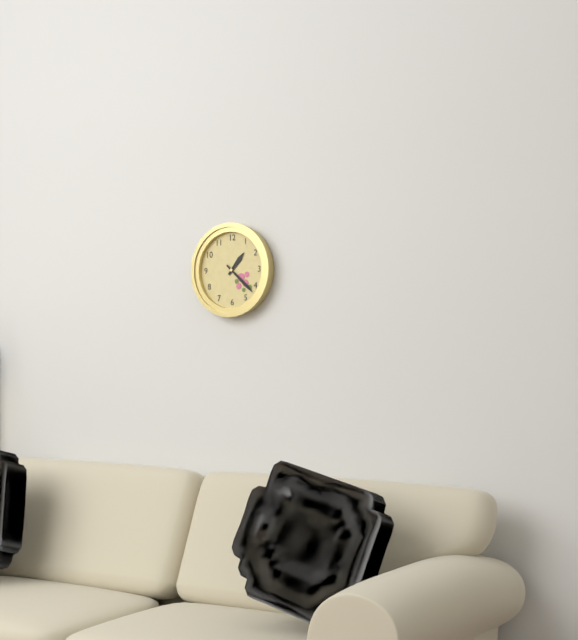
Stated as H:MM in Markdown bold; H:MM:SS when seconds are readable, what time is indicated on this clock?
**1:22**
